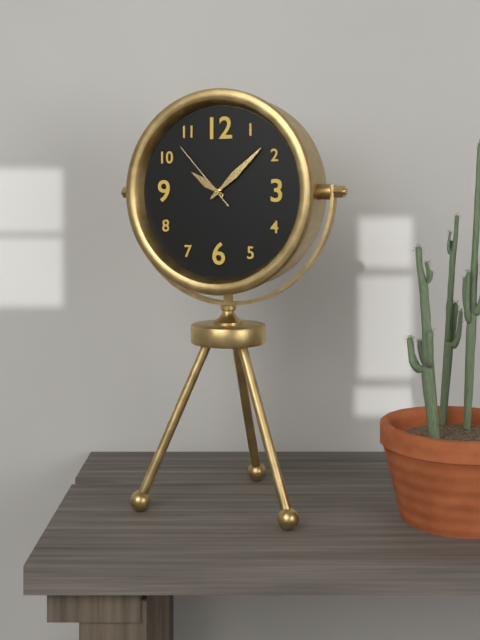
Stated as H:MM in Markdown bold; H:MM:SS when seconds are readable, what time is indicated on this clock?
**10:08:53**
